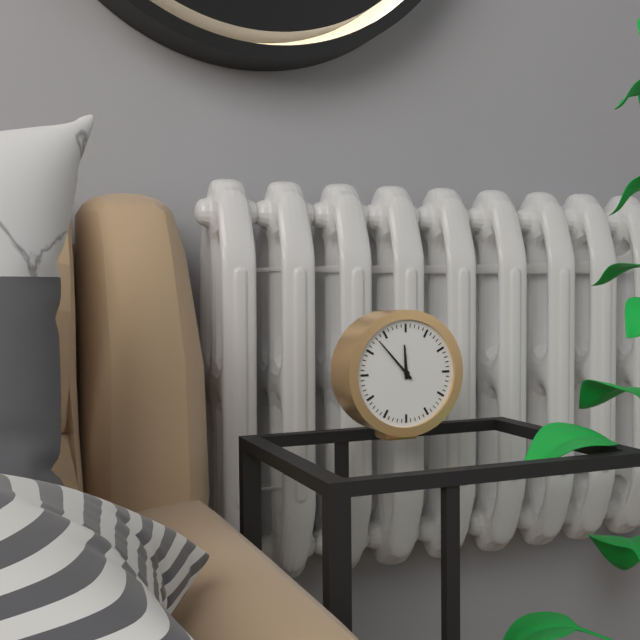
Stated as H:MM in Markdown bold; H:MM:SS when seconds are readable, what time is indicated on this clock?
**11:53**
